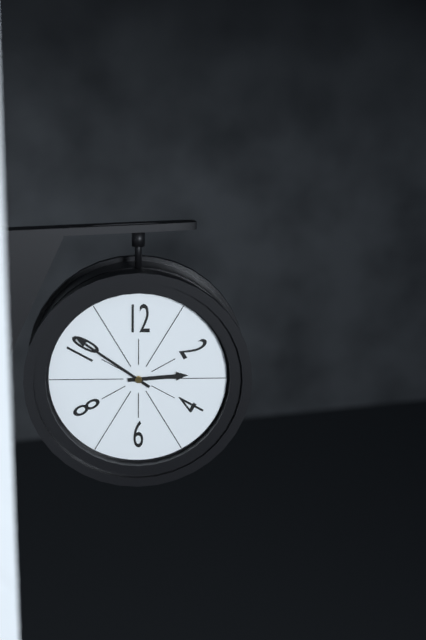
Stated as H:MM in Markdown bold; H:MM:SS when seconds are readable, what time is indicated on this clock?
**2:51**
